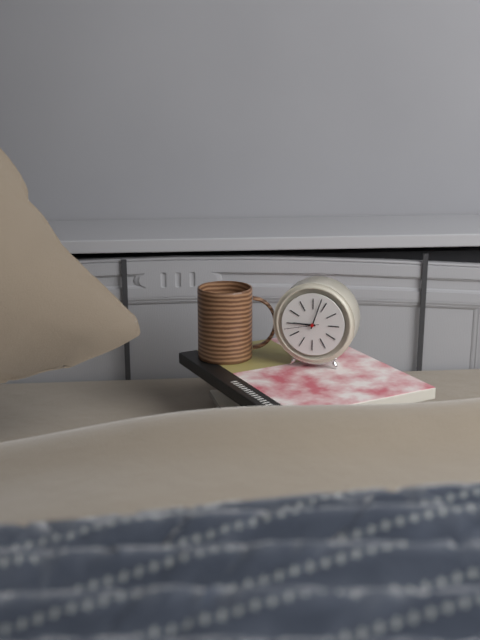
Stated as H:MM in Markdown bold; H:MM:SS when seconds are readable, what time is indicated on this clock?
**9:03**
